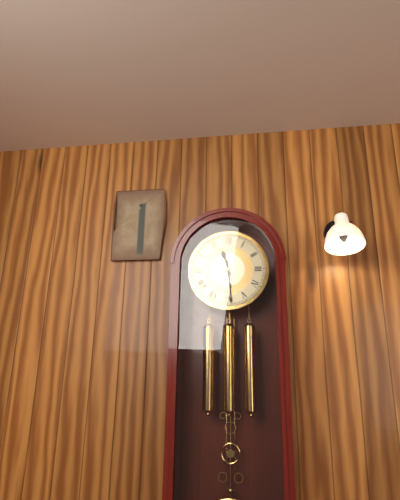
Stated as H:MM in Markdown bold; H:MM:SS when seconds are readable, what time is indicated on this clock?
**11:29**
